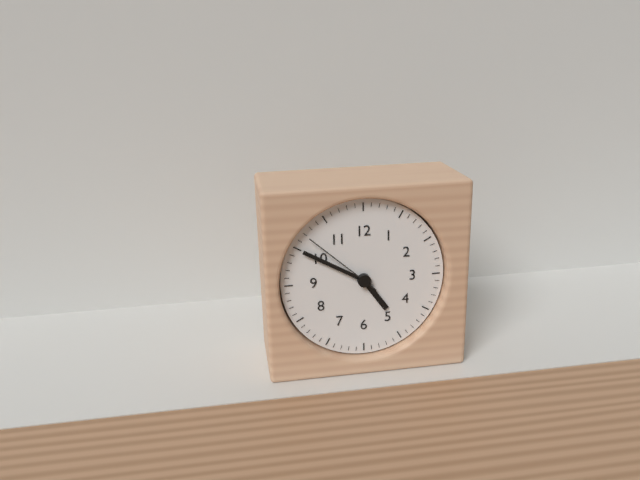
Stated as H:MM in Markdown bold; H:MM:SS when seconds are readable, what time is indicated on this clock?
**4:50:52**
